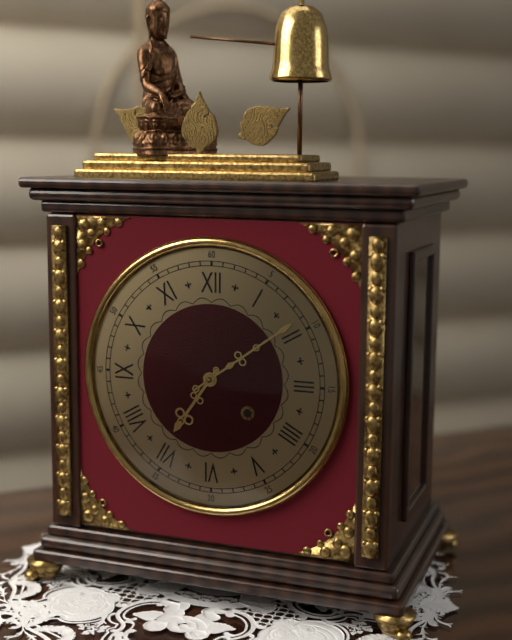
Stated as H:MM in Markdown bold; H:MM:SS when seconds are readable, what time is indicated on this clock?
**7:09**
